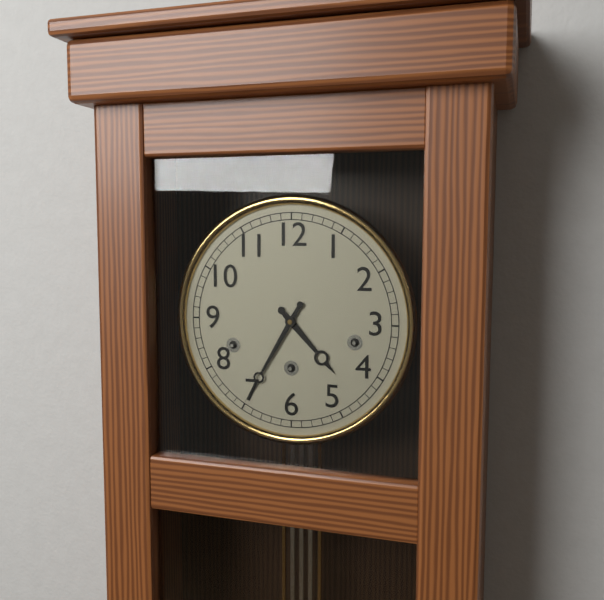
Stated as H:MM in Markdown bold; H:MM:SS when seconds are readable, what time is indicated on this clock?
**4:35**
